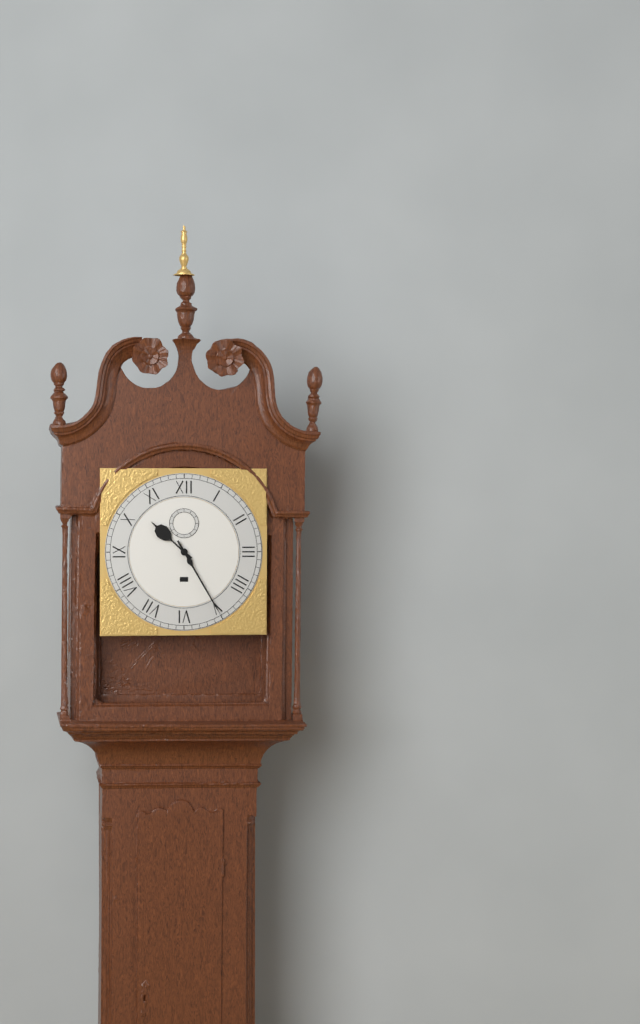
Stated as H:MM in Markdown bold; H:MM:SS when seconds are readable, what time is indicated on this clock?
**10:25**
